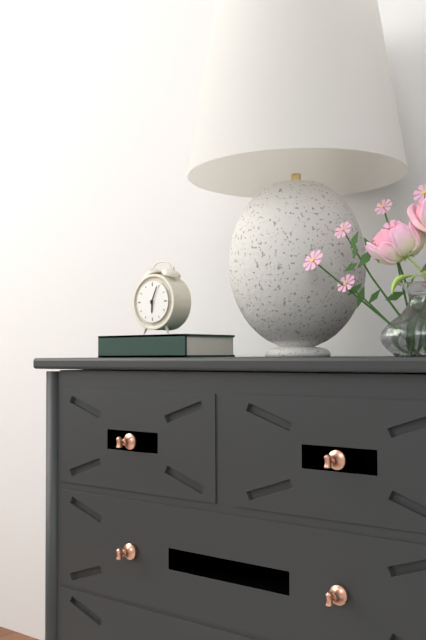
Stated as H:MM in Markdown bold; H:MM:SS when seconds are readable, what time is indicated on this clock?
**6:04**
